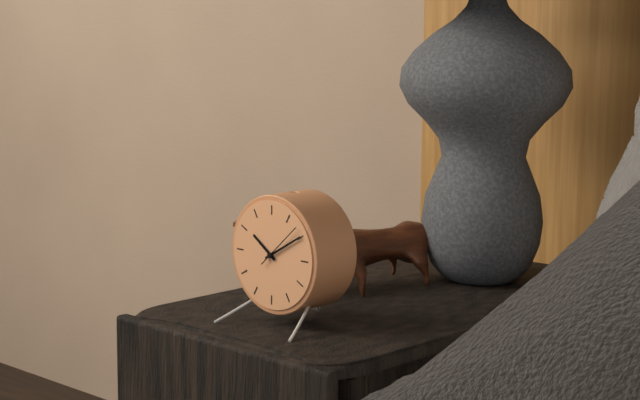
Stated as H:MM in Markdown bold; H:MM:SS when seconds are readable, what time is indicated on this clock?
**10:10**
